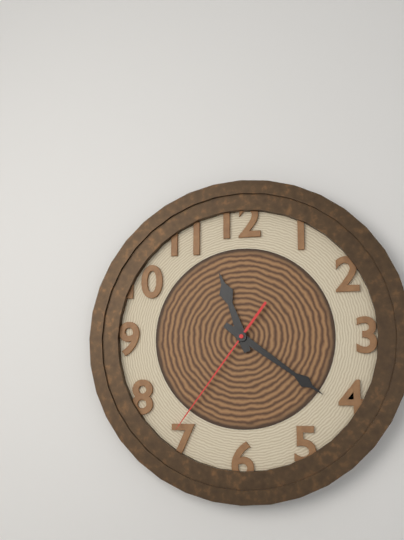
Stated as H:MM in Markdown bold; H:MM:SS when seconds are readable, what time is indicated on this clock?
**11:21:36**
